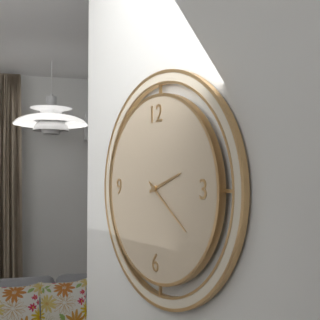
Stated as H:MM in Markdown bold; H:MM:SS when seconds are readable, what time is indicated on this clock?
**2:21**
